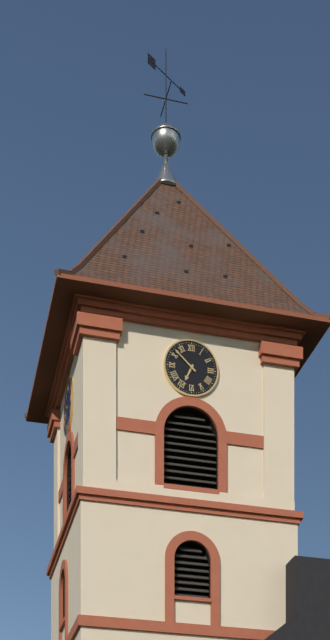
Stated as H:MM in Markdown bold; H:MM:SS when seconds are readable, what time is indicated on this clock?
**6:52**
